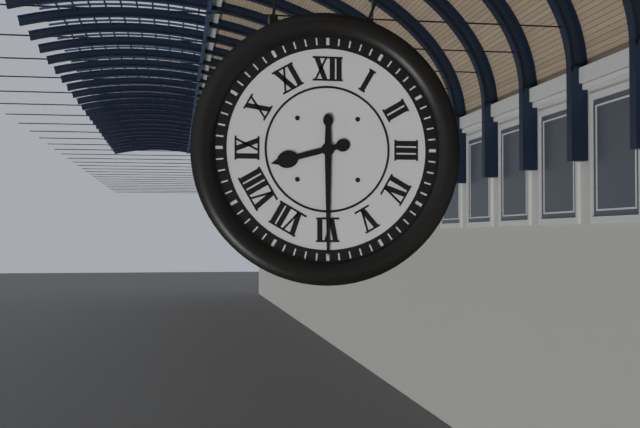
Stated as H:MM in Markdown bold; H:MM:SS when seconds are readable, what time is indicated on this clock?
**8:30**
